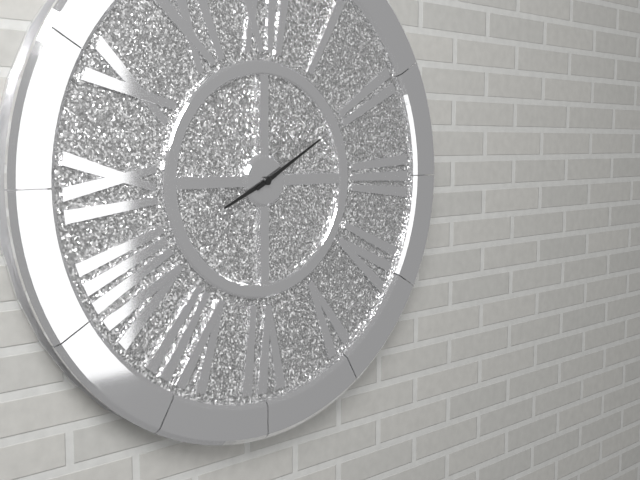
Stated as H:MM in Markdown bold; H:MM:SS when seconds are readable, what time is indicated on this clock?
**8:10**
